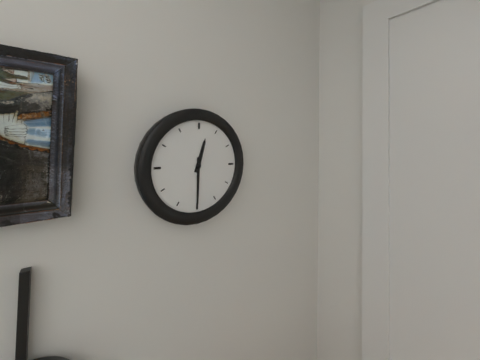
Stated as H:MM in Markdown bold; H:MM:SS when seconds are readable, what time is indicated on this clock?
**12:30**
